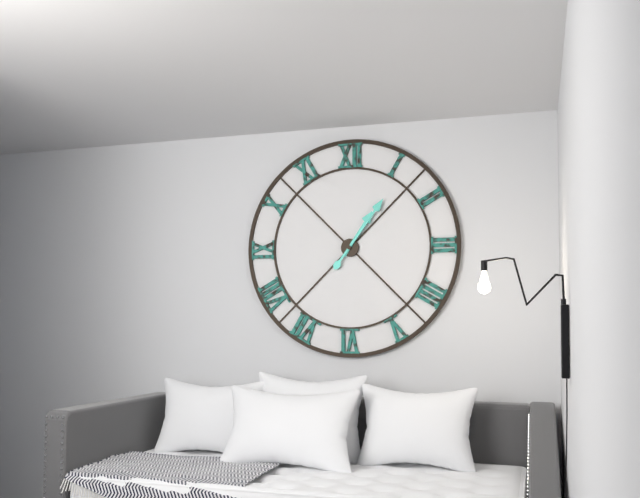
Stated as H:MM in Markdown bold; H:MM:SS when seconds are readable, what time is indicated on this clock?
**1:06**
